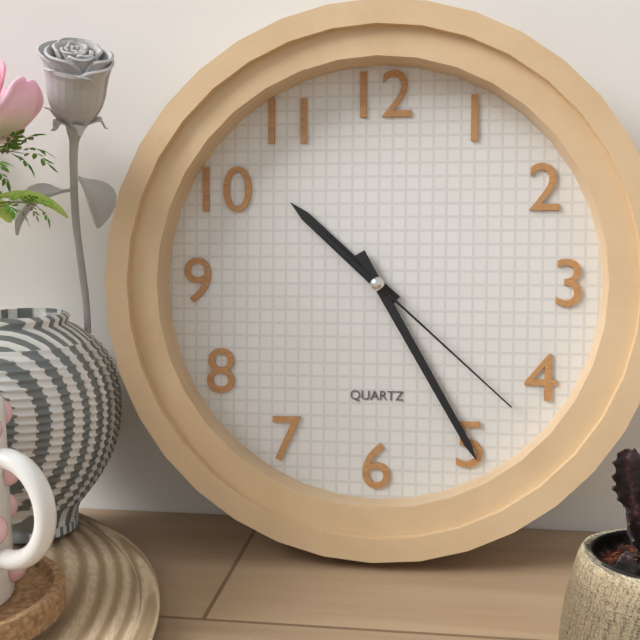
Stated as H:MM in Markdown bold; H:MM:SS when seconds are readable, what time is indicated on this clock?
**10:25:22**
